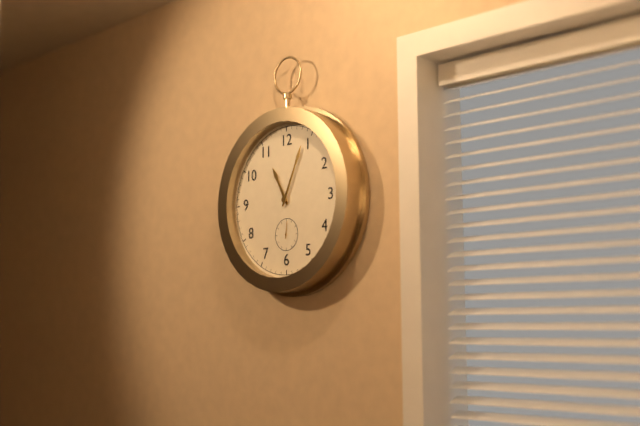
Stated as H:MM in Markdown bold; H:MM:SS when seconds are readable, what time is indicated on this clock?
**11:04**
